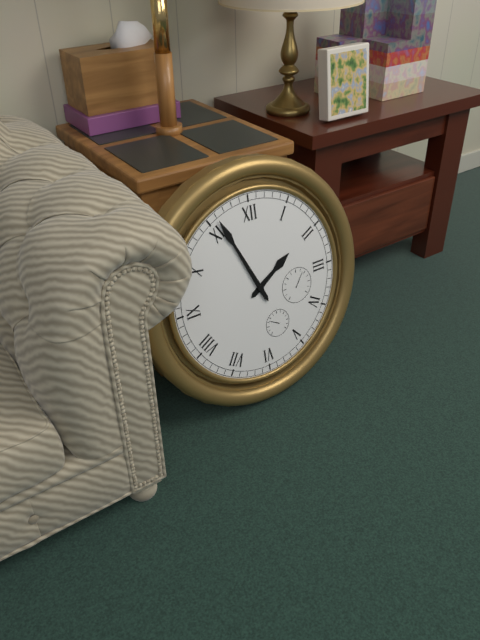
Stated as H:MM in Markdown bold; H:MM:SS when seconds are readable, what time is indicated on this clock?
**1:56**
